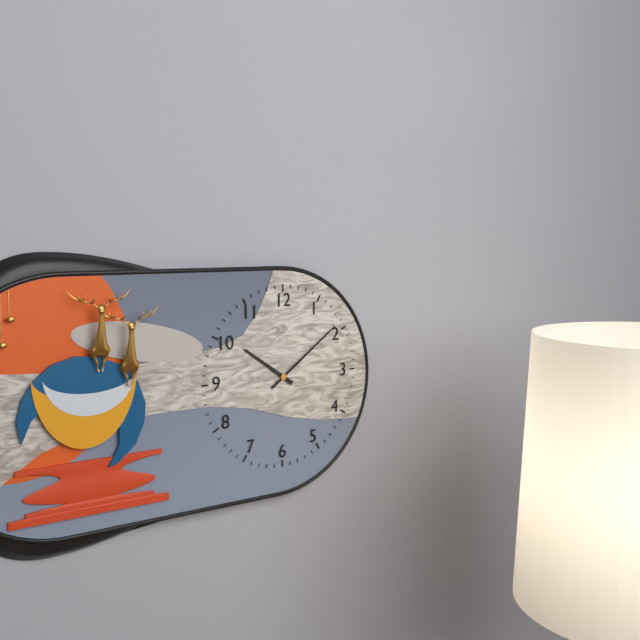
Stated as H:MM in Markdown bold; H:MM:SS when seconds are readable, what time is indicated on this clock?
**10:09**
